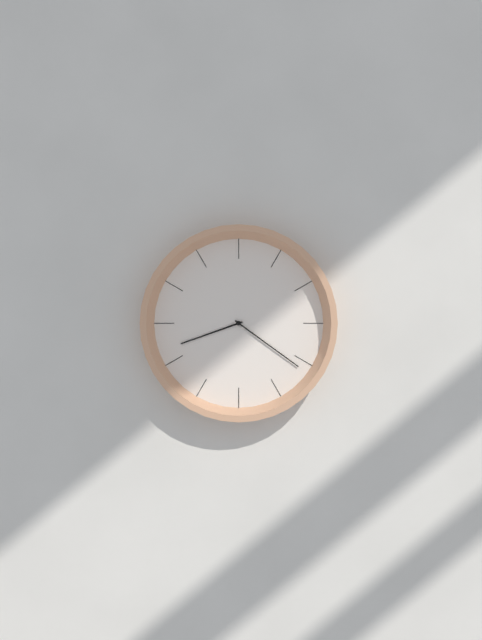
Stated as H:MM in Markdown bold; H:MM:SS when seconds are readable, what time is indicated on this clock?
**8:21**
